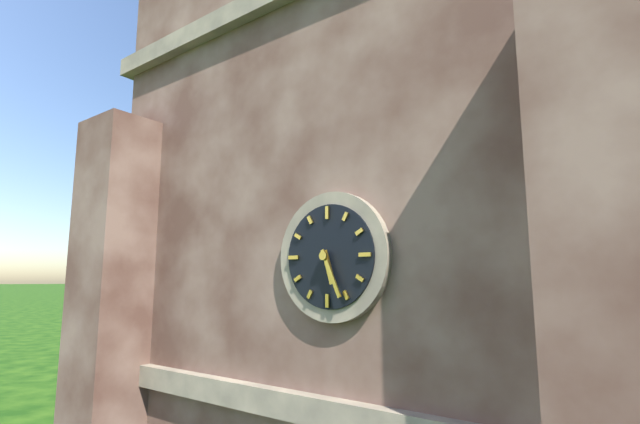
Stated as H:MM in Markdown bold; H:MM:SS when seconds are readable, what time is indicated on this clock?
**5:26**
